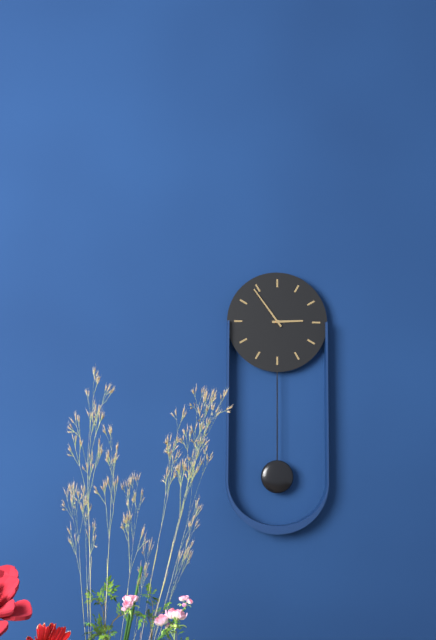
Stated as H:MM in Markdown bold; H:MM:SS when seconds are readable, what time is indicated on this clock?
**2:54**
